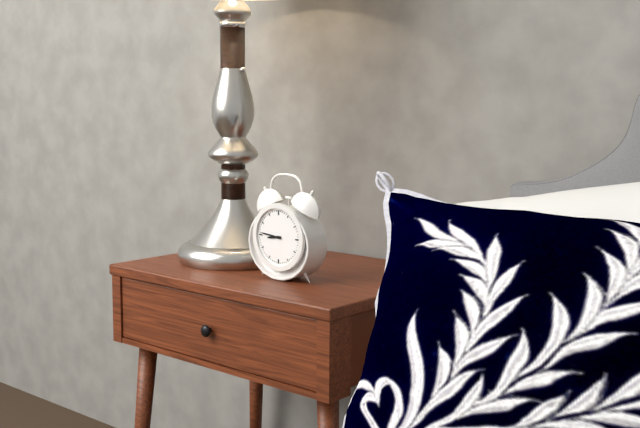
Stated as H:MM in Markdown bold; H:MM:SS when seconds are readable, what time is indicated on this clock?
**8:46**
